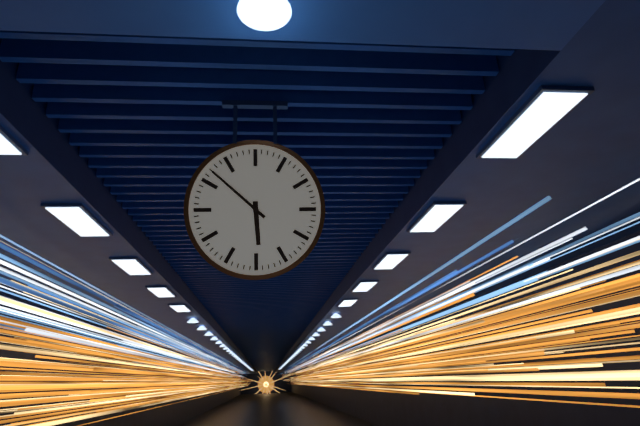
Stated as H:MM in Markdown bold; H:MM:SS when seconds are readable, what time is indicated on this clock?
**5:52**
